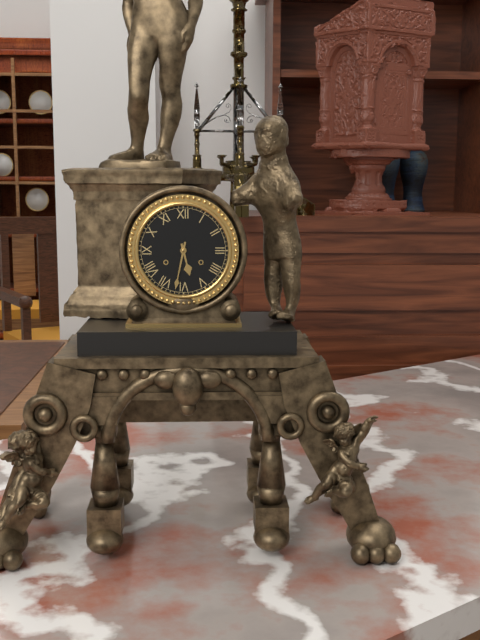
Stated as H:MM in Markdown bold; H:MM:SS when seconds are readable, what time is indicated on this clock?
**5:32**
